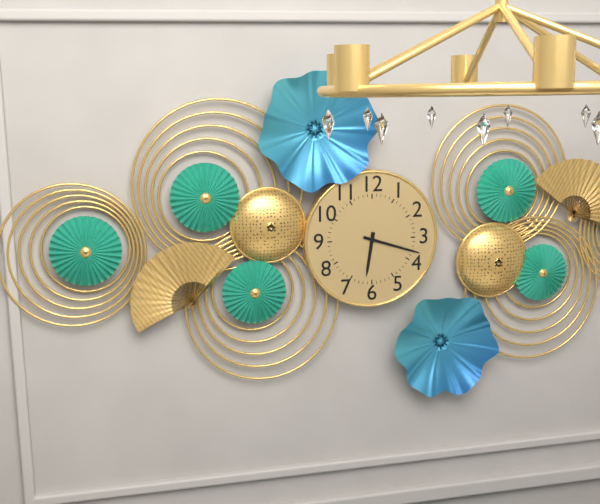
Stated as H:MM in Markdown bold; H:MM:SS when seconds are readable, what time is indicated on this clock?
**6:18**
